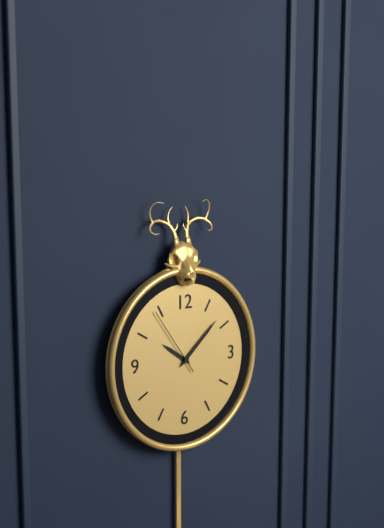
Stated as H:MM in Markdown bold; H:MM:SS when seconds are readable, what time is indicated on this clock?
**10:08:54**
